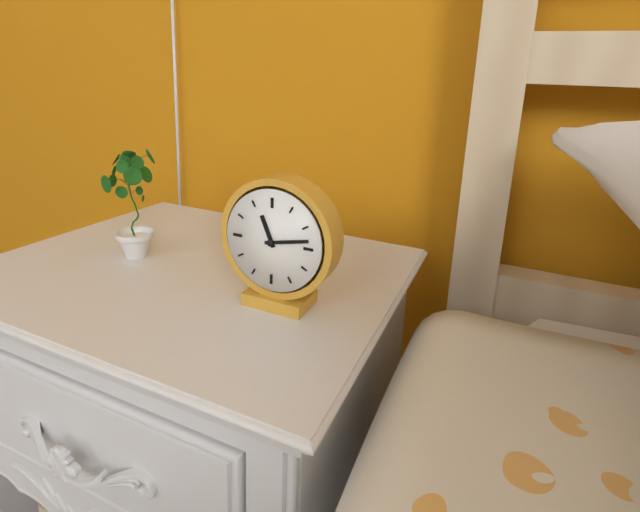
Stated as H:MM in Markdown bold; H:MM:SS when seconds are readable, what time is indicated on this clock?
**11:13**
